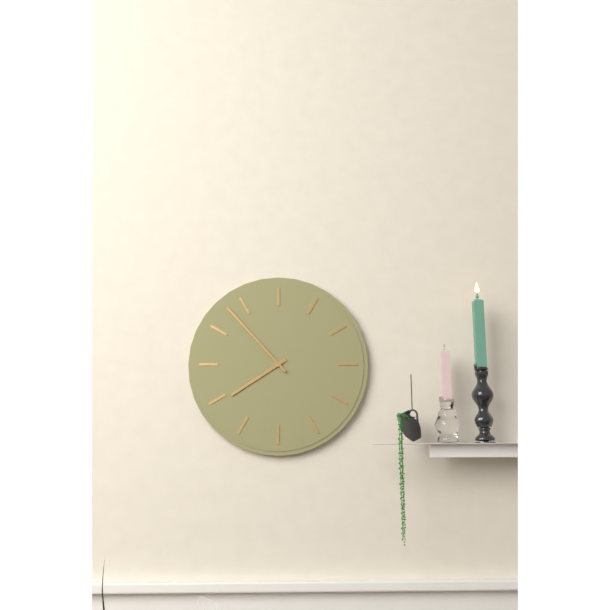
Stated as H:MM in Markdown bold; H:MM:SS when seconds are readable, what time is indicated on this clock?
**7:53**
